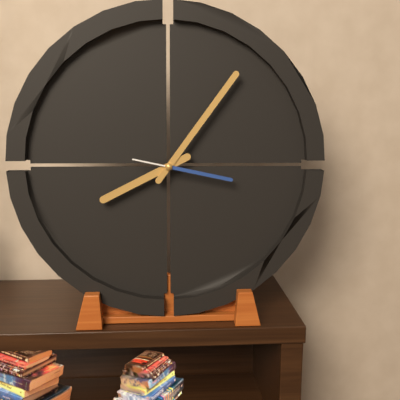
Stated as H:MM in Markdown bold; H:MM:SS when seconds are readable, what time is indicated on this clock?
**8:06:17**
